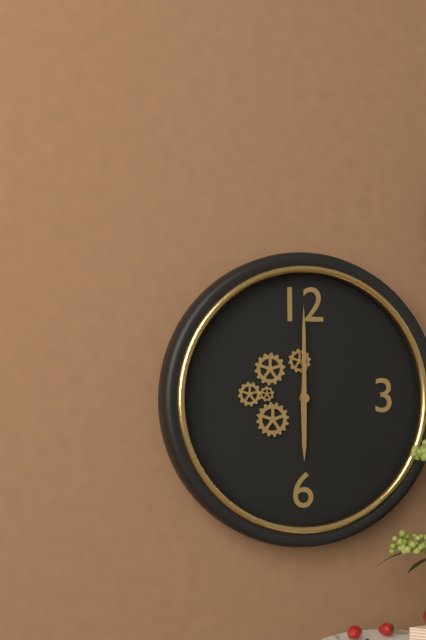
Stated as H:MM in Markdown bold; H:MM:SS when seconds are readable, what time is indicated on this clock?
**6:00**
